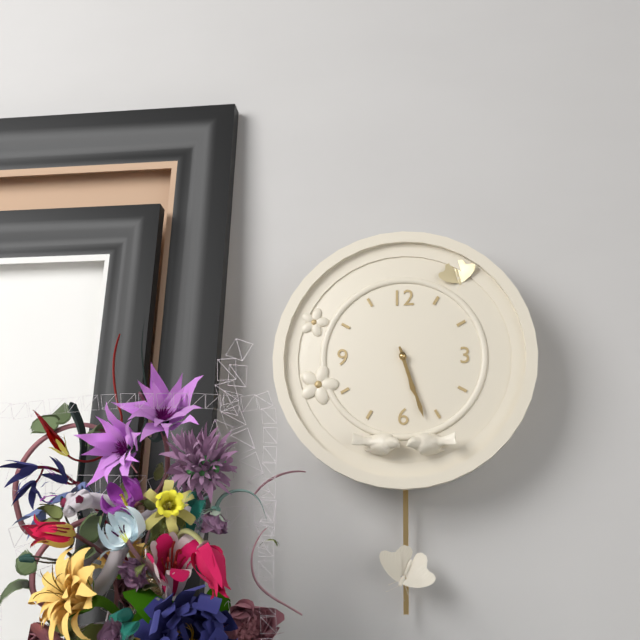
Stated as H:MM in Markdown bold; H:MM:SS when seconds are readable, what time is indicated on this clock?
**5:27**
